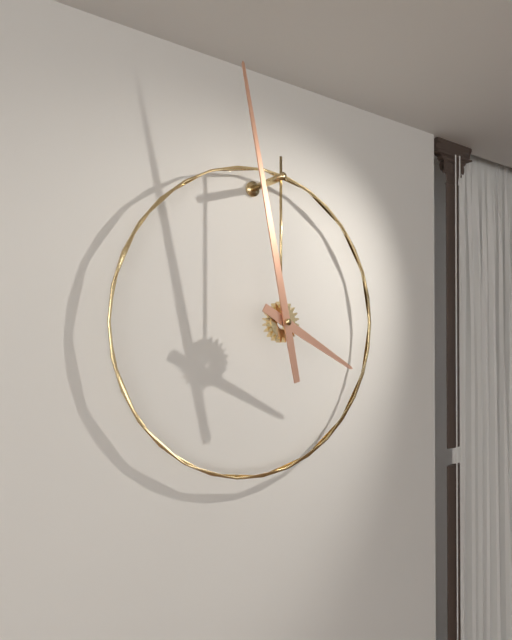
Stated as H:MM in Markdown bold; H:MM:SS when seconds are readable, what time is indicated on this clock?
**3:58**
